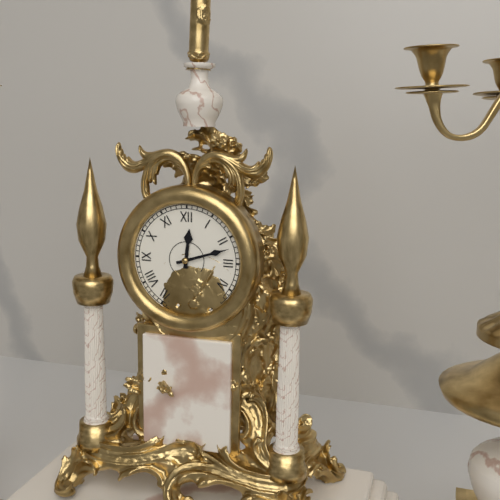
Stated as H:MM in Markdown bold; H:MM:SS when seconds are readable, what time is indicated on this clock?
**12:12**
